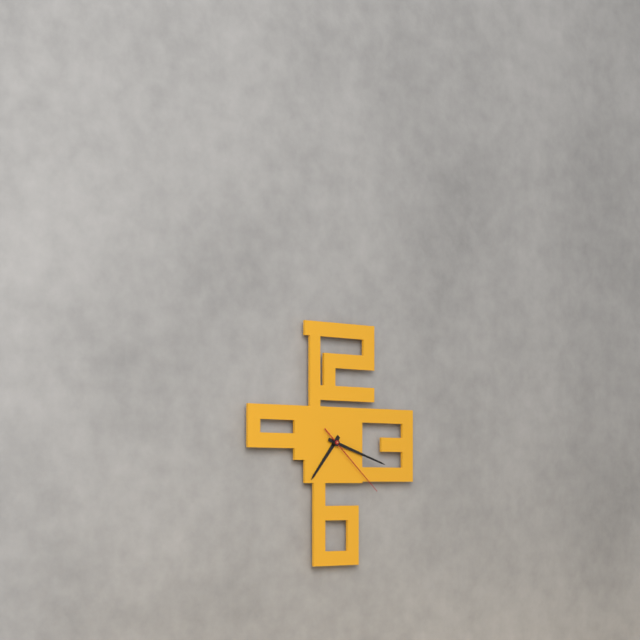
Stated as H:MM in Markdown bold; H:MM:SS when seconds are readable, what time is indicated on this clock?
**7:18:22**
